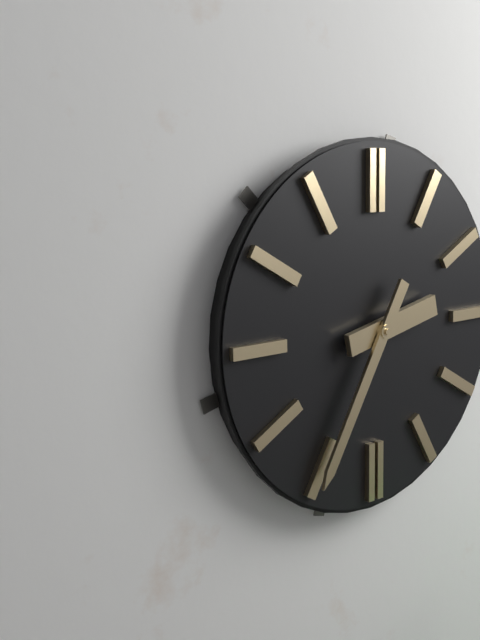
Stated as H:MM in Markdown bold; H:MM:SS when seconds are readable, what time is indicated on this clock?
**2:35**
